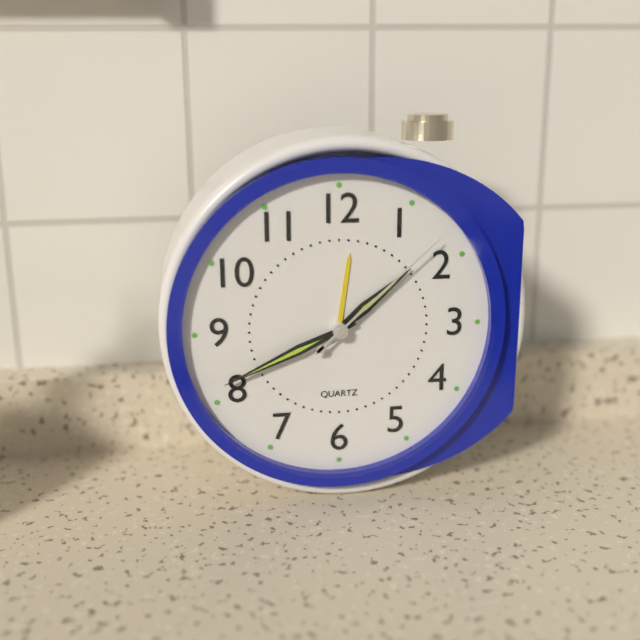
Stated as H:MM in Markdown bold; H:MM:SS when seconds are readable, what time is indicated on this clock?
**1:41:08**
